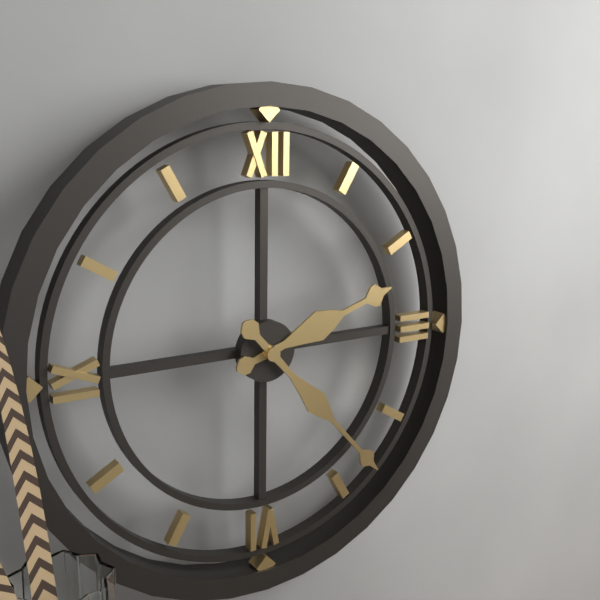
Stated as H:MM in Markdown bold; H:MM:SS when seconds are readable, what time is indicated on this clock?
**2:23**
